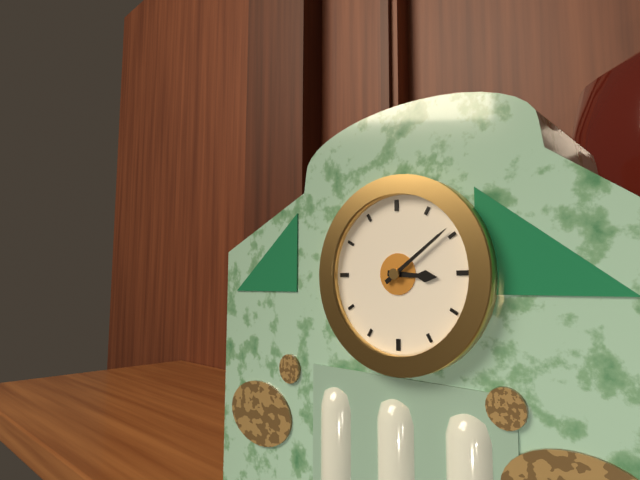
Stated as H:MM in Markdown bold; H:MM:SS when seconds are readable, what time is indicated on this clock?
**3:09**
